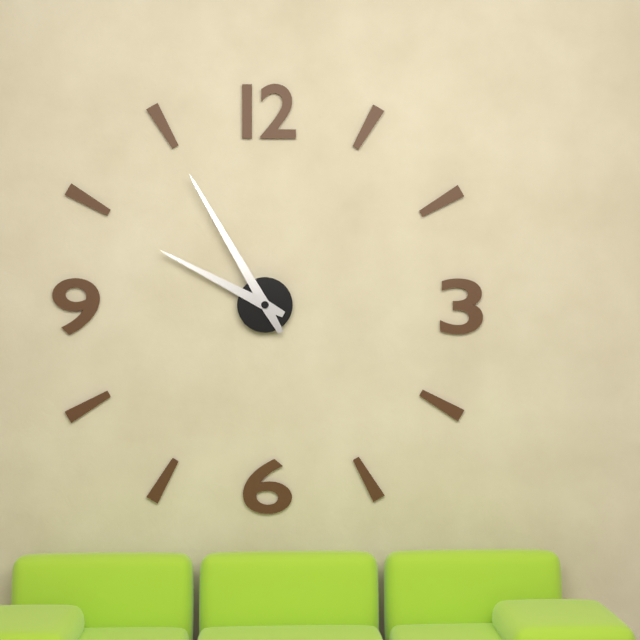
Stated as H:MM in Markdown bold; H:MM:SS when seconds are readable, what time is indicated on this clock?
**9:55**
